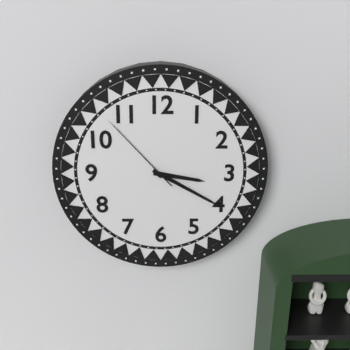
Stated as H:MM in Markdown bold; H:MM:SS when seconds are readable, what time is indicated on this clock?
**3:20:53**
